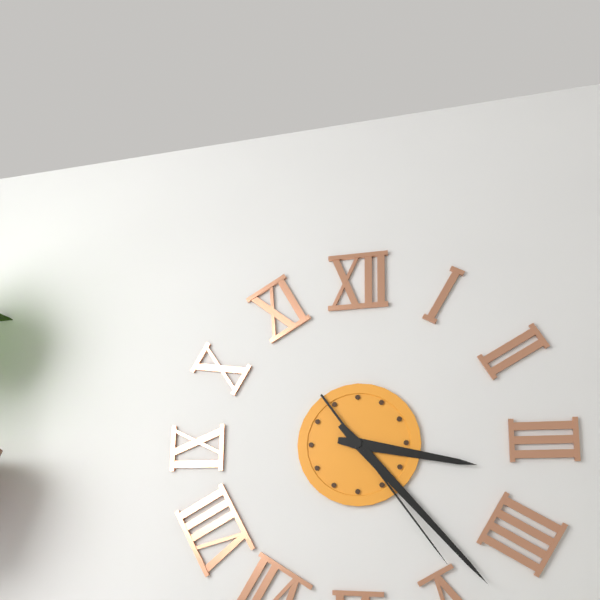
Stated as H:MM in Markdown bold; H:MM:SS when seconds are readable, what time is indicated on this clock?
**3:23:24**
